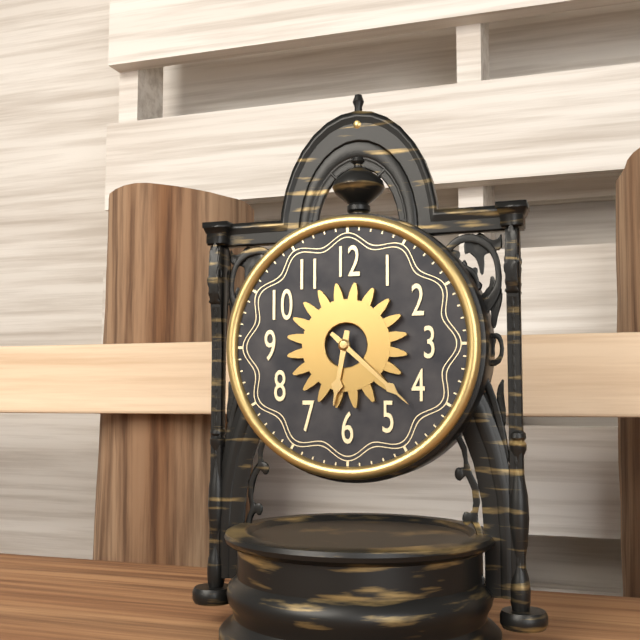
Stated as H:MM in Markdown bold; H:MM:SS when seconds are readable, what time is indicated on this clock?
**6:22**
